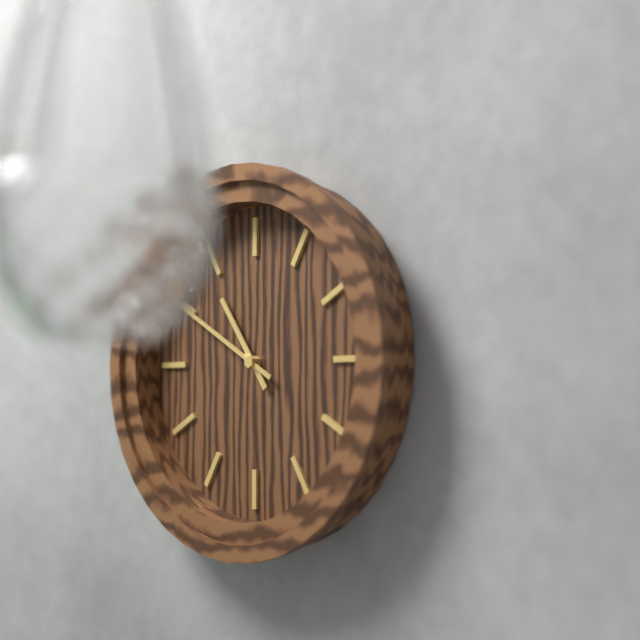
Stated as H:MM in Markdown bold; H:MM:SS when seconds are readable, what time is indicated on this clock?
**10:50**
